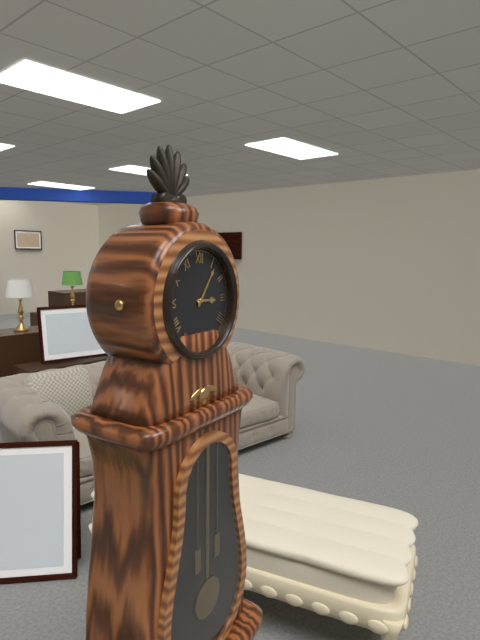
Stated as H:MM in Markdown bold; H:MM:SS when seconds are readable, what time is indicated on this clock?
**3:06**
